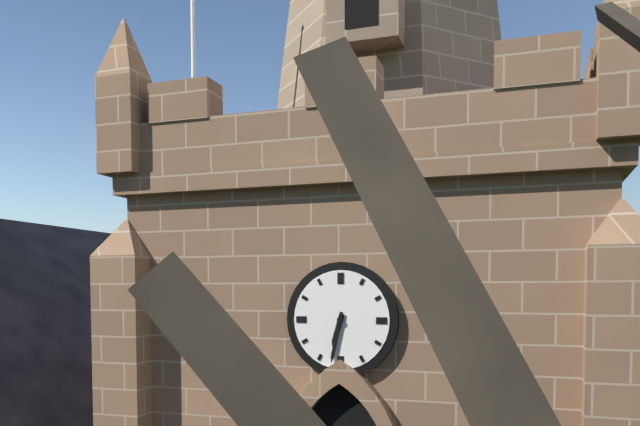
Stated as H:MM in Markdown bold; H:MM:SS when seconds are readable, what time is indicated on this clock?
**6:32**
